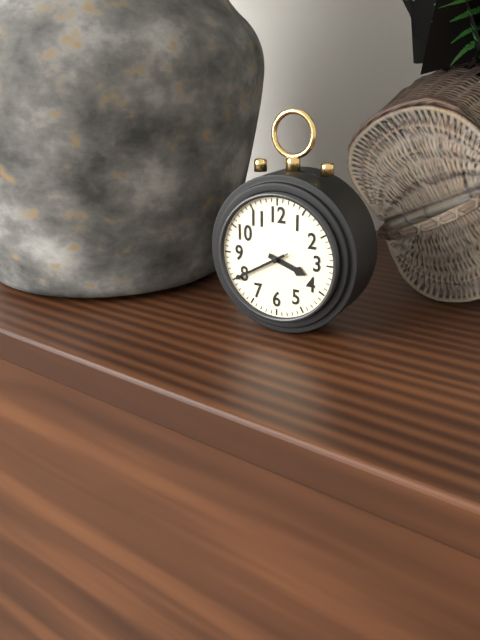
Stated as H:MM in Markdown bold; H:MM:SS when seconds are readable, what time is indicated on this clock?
**3:40:40**
